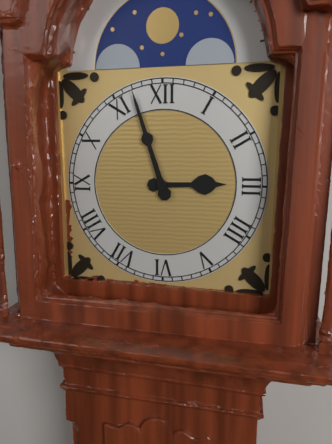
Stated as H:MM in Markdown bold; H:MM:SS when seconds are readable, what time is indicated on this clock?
**2:57**
